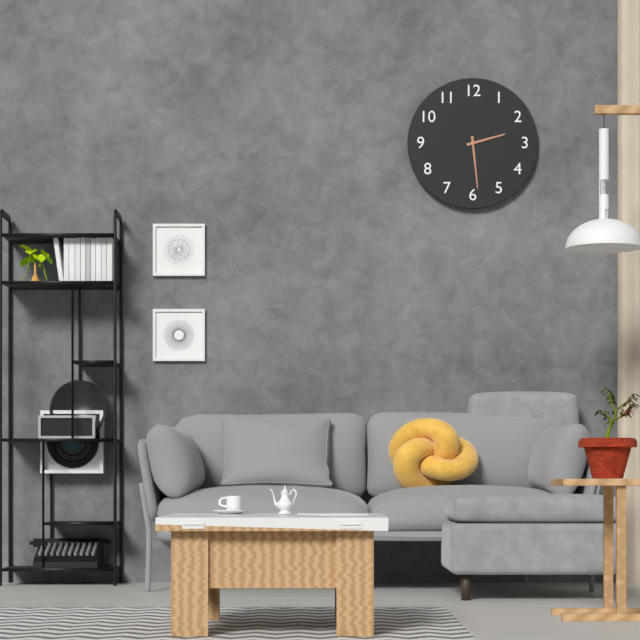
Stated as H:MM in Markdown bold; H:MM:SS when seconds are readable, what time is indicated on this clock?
**2:29**
